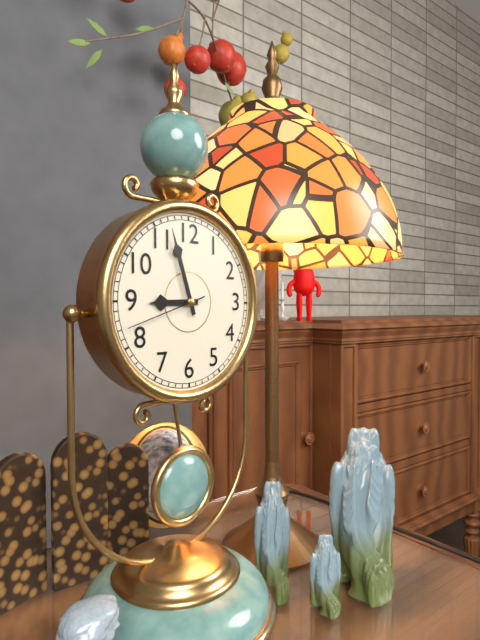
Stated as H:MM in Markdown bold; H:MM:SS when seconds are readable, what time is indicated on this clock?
**8:57:42**
